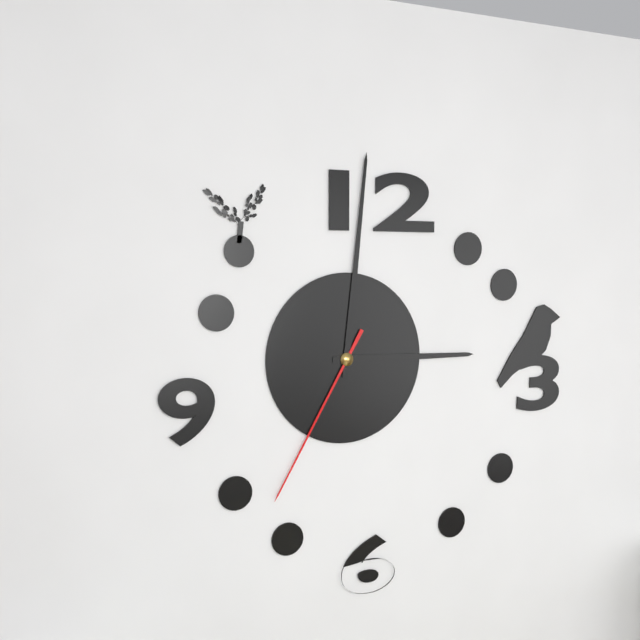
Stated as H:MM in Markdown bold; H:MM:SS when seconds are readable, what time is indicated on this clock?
**3:01:35**
